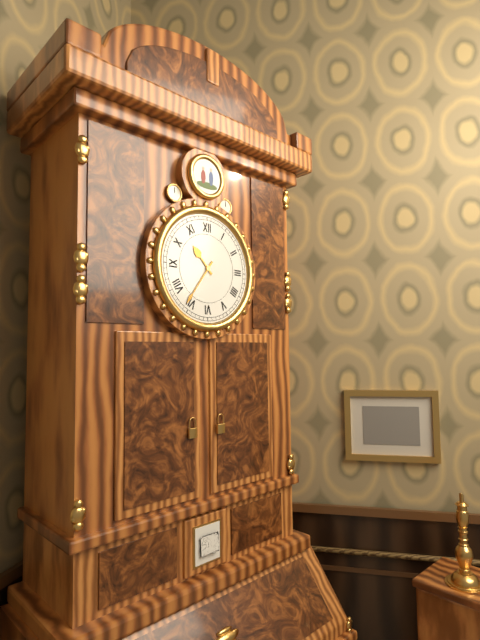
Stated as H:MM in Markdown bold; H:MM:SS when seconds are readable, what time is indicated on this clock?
**10:36**
